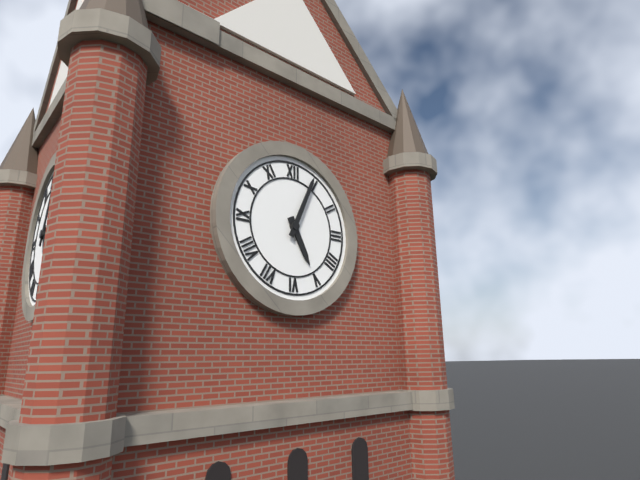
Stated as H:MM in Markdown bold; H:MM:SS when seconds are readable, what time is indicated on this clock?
**5:04**
